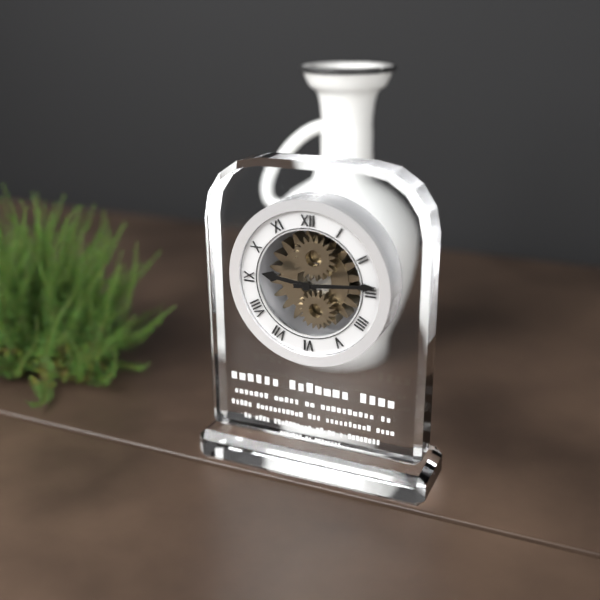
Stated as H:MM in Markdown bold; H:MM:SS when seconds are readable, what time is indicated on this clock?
**9:14**
